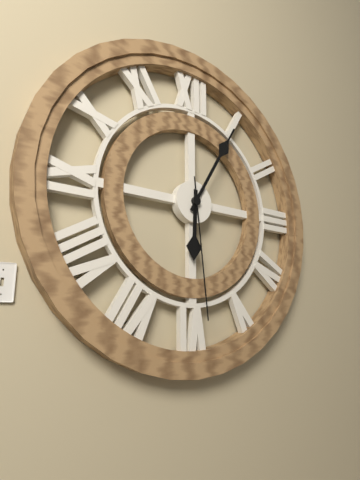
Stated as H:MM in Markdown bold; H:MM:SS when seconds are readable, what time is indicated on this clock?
**6:05:29**
